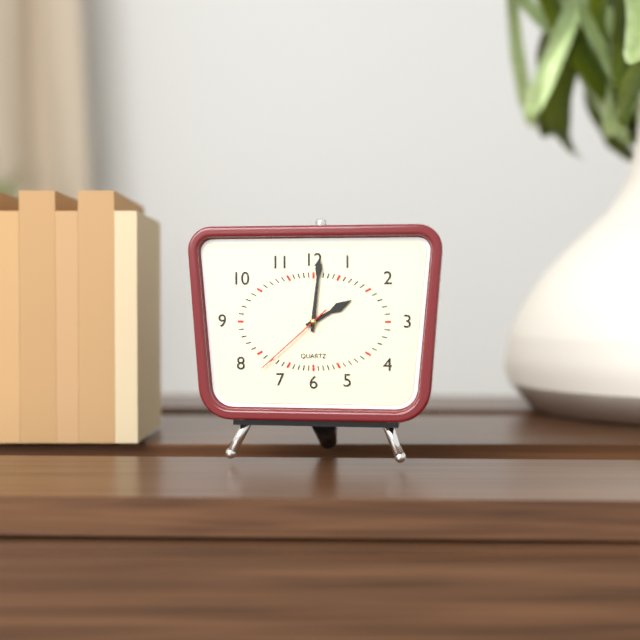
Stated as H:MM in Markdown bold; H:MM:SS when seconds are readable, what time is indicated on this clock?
**2:01:38**
